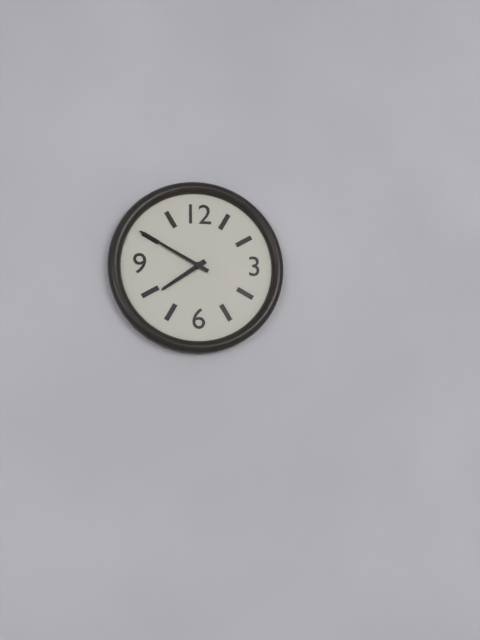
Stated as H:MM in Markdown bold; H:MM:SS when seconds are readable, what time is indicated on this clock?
**7:50**
